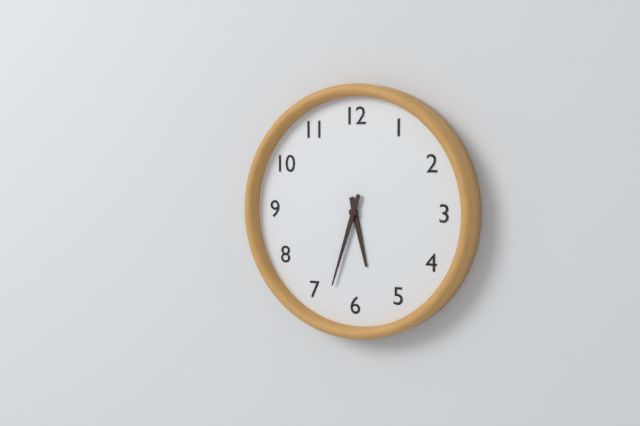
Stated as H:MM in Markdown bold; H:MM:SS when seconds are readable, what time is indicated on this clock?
**5:33**
